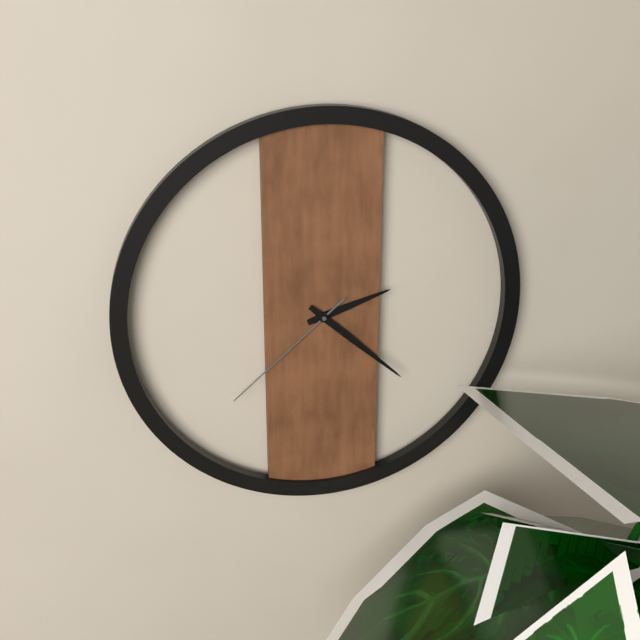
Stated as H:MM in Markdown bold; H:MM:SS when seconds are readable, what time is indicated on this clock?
**2:22:38**
